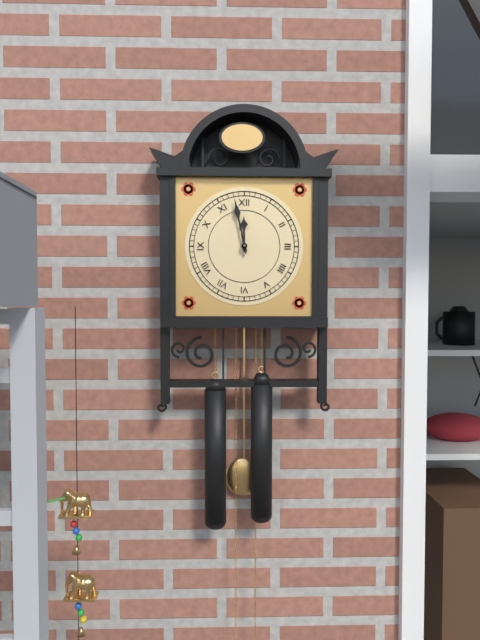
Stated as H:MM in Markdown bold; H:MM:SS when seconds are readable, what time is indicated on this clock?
**11:58**
